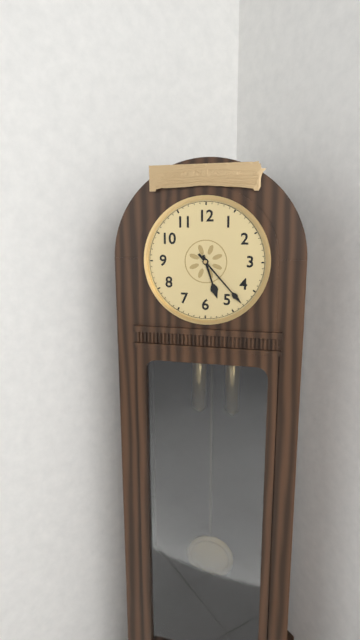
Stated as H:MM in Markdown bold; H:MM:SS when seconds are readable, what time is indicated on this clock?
**5:23**
